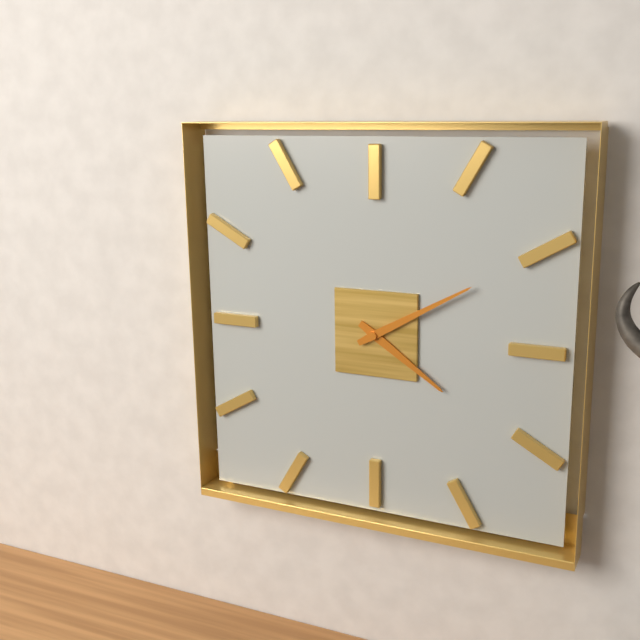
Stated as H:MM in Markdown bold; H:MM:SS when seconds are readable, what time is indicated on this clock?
**4:10**
